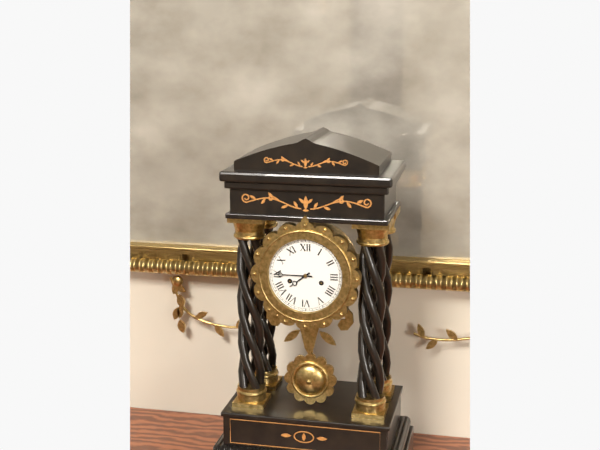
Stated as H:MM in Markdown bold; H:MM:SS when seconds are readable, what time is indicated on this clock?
**7:45**
